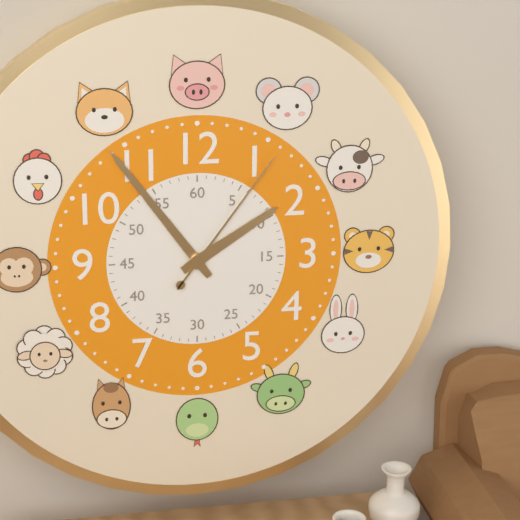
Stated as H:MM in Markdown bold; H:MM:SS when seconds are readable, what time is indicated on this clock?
**1:54:06**
